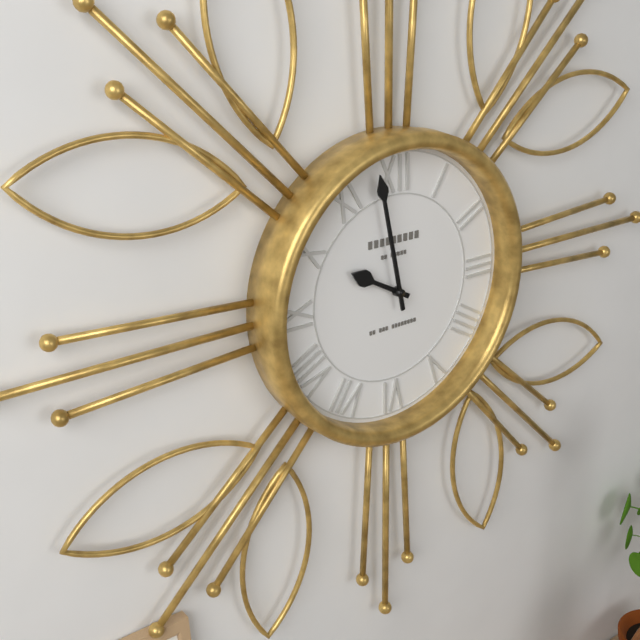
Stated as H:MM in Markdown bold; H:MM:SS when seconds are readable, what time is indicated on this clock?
**9:58**
